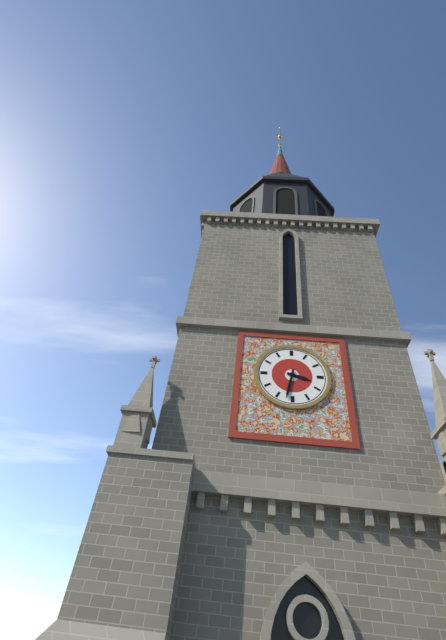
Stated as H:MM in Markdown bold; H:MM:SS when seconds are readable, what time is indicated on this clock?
**3:32**
